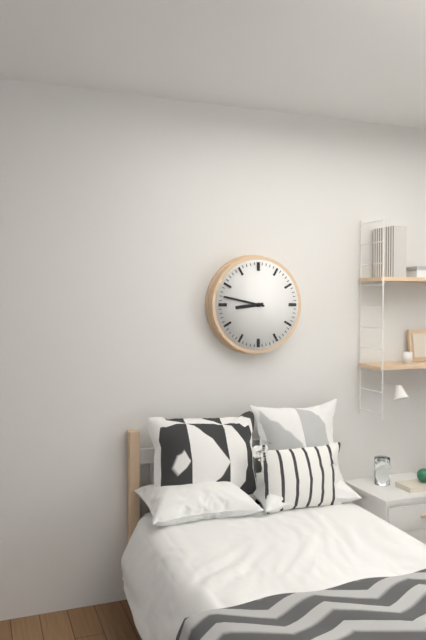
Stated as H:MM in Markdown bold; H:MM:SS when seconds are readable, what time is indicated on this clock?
**8:47**
